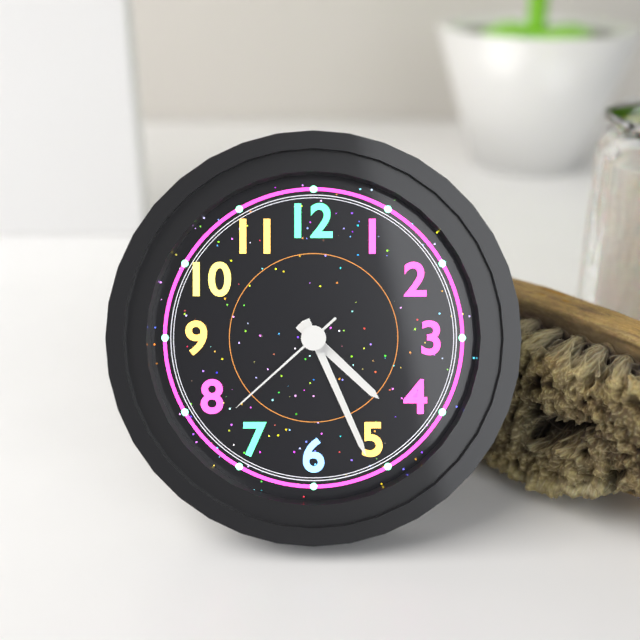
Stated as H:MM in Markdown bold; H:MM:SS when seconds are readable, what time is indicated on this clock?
**4:26:38**
